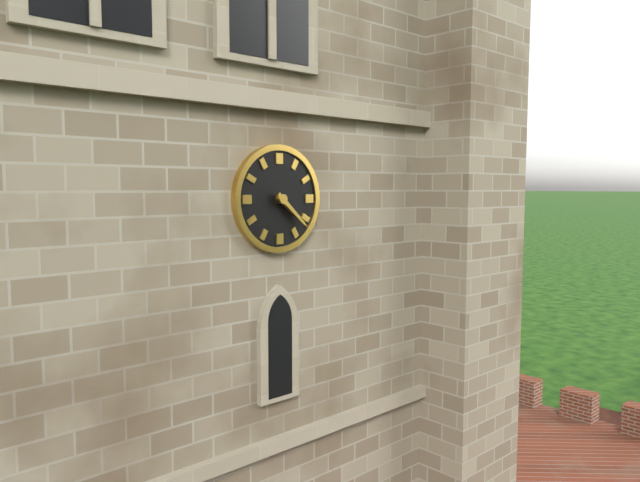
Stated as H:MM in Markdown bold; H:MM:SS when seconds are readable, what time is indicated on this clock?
**4:22**
